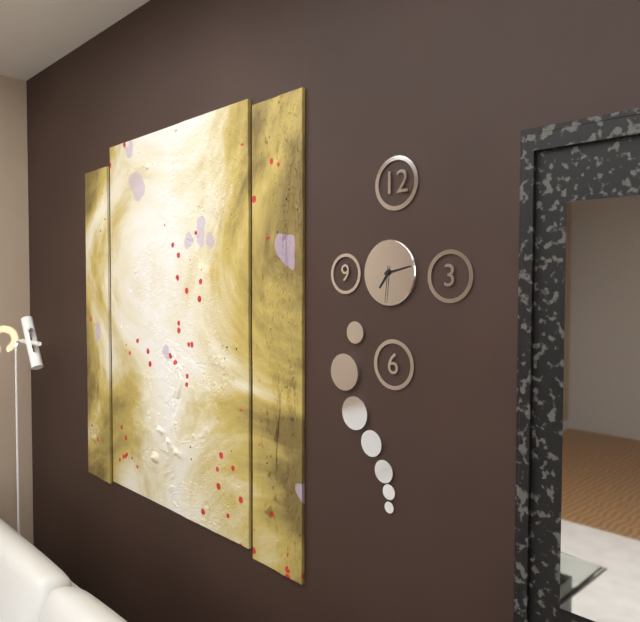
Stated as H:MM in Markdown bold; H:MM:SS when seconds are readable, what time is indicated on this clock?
**7:13**
